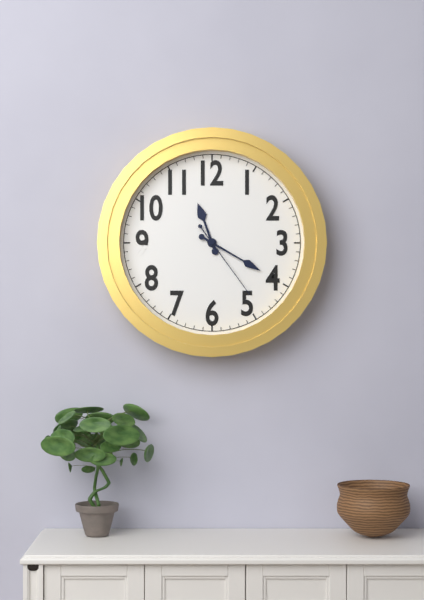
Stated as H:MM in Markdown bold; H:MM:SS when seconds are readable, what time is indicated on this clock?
**11:20:24**
